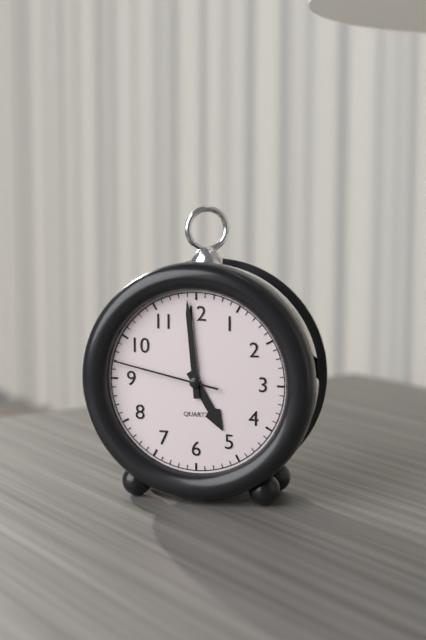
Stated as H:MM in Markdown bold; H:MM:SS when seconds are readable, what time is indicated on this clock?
**4:59:47**
